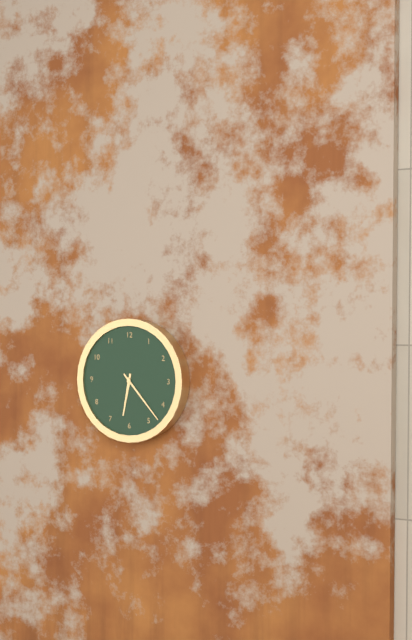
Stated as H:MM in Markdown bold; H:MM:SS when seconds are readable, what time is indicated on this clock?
**6:23**
